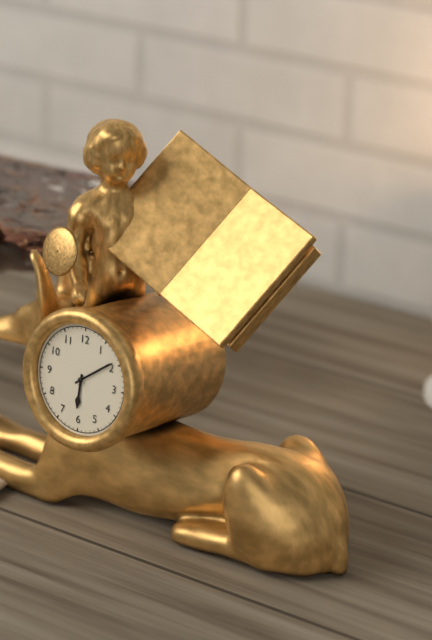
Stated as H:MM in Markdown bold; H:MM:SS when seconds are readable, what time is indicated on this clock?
**6:09**
